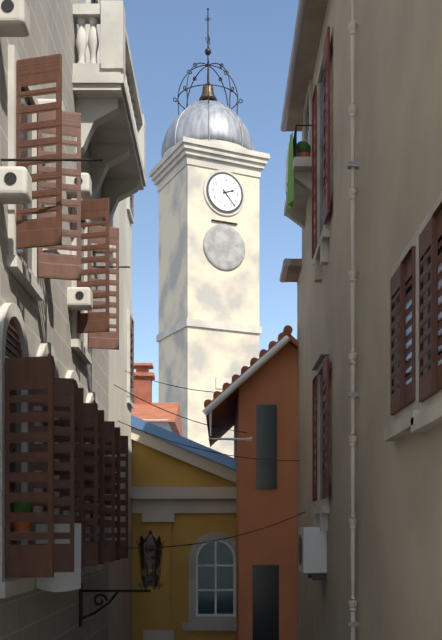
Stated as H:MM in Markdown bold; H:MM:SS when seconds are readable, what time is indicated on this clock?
**2:23**
